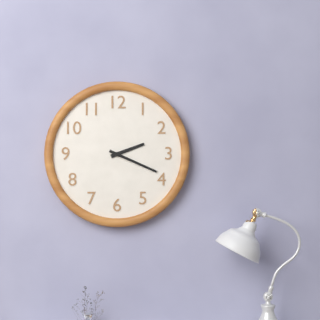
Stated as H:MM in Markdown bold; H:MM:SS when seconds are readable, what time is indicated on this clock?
**2:19**
